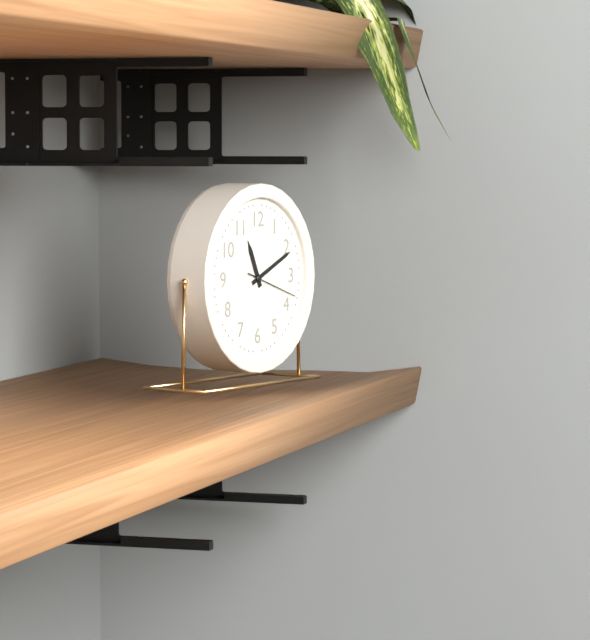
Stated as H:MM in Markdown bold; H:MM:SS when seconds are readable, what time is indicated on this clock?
**11:11:18**
